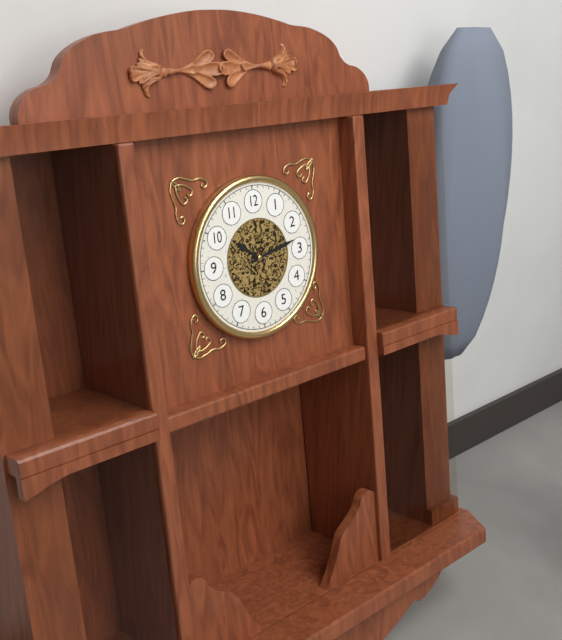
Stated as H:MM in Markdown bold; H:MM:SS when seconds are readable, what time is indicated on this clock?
**10:13**
